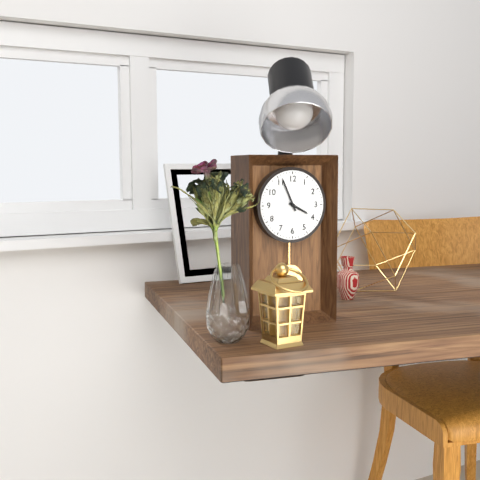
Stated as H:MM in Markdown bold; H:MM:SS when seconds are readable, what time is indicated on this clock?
**3:56**
